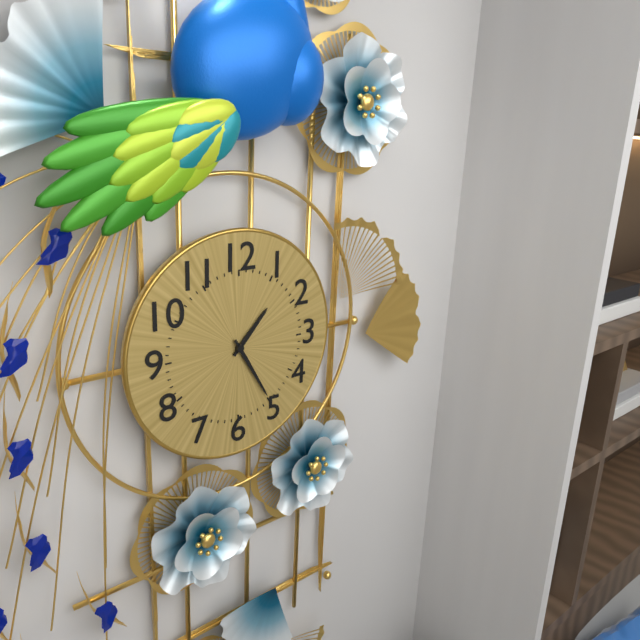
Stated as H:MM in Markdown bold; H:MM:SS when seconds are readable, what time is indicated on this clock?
**1:25**
